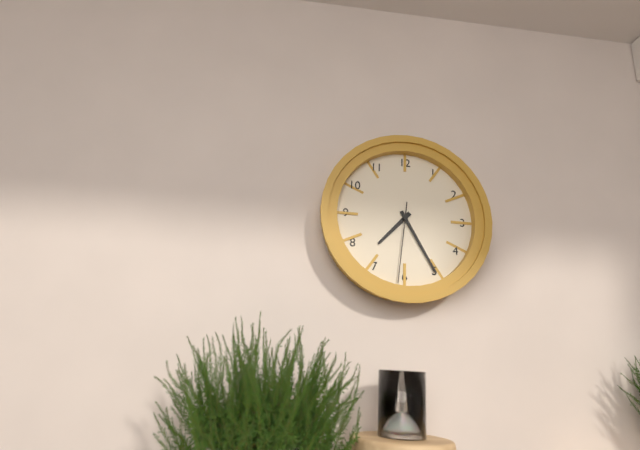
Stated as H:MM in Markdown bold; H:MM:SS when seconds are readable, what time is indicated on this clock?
**7:25:31**
